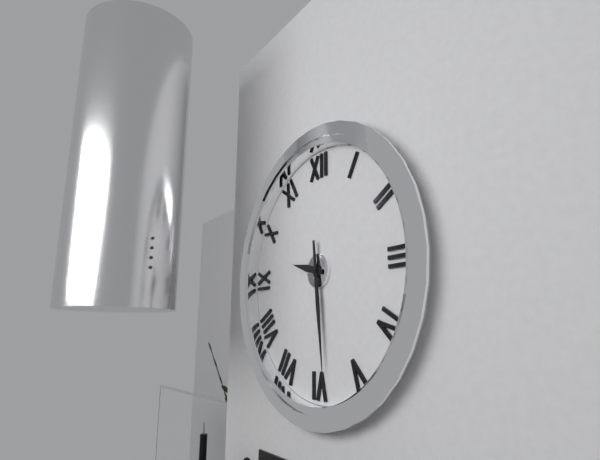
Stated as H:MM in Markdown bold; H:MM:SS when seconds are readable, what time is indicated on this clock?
**9:29**
